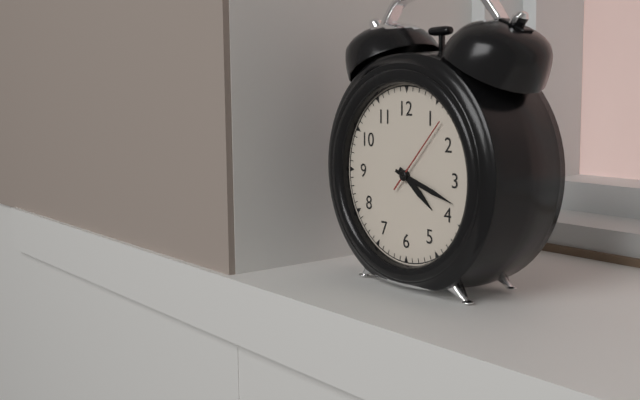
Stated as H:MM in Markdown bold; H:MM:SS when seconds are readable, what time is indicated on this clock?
**4:18:07**
